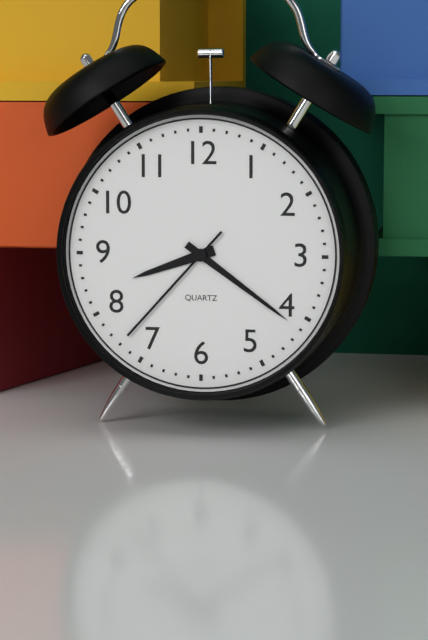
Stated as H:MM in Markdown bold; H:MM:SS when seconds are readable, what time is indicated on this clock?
**8:21:37**
